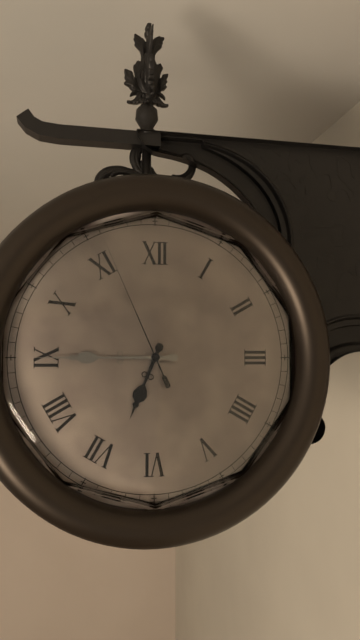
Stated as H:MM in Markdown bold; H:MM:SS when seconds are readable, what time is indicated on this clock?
**6:45:56**
